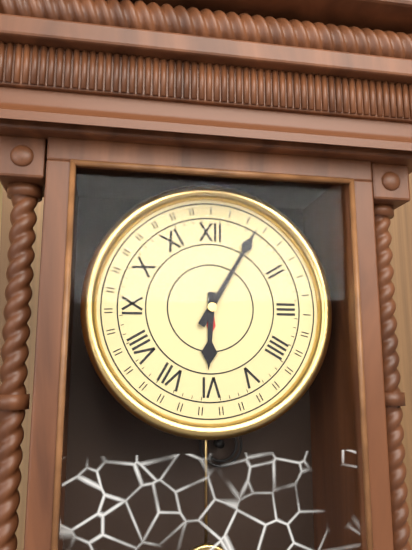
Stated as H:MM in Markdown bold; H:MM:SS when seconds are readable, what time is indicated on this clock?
**6:05**
